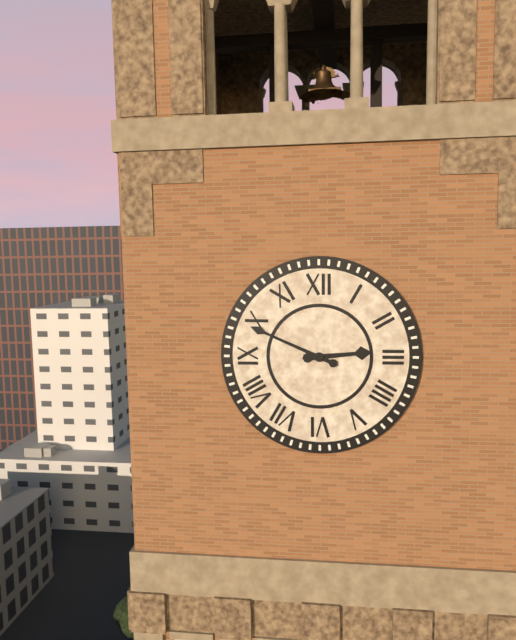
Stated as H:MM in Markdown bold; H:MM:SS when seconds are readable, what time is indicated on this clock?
**2:49**
